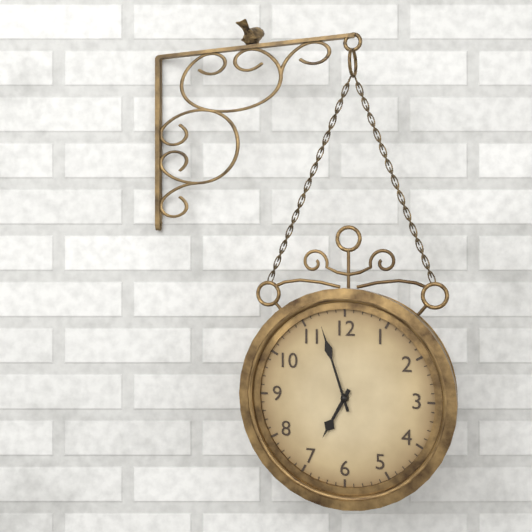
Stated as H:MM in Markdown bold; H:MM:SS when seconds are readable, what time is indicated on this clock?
**6:57**
